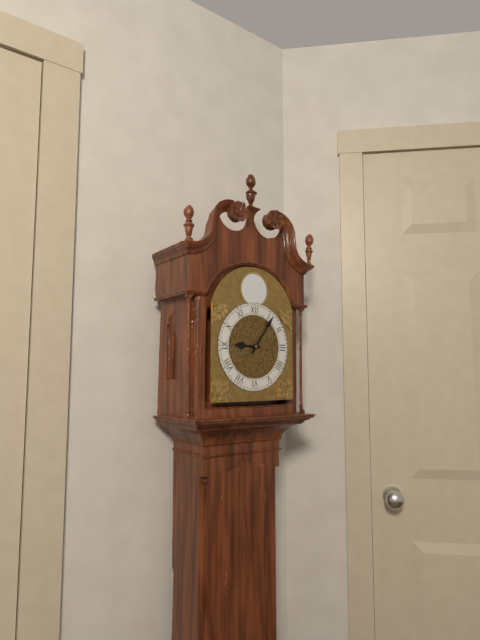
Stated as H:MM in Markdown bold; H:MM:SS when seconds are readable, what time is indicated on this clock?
**9:06**
